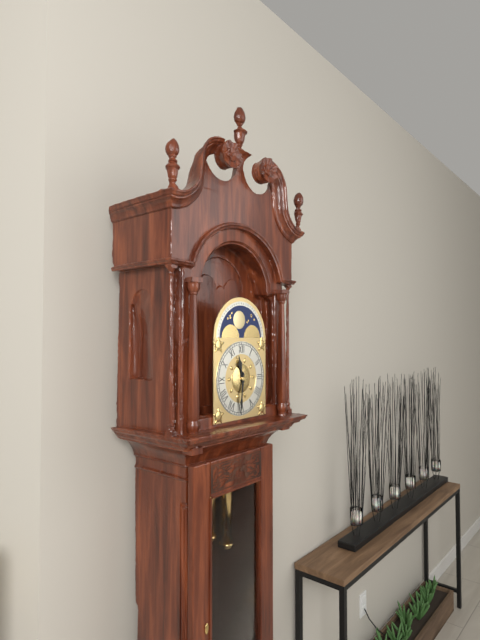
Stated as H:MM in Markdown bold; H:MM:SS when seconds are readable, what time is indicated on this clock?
**11:31**
